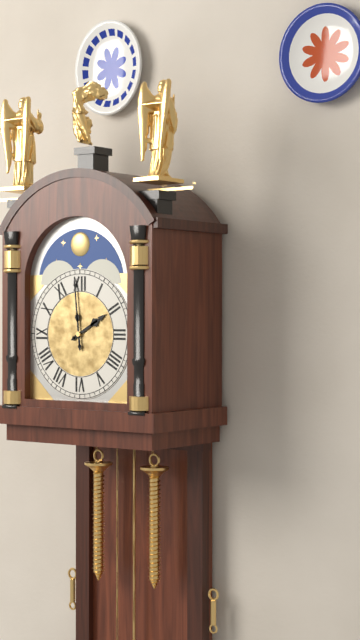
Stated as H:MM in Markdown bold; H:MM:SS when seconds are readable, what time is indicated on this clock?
**1:59**
